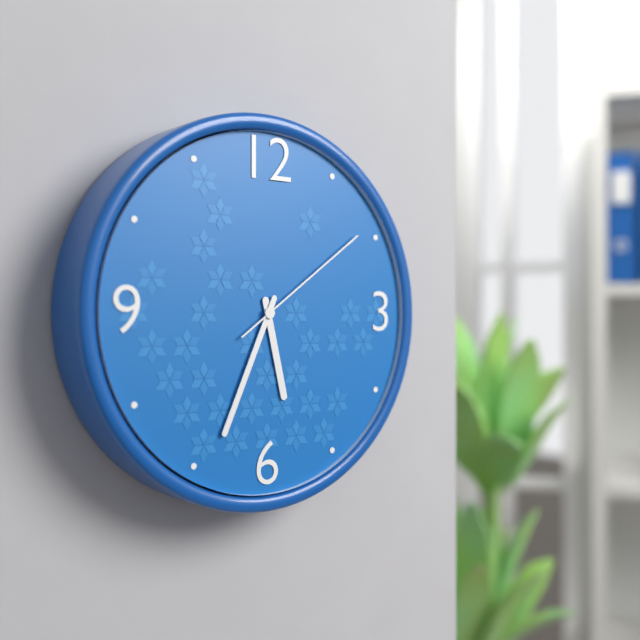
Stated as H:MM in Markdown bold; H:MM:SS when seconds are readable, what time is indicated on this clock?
**5:34:09**
